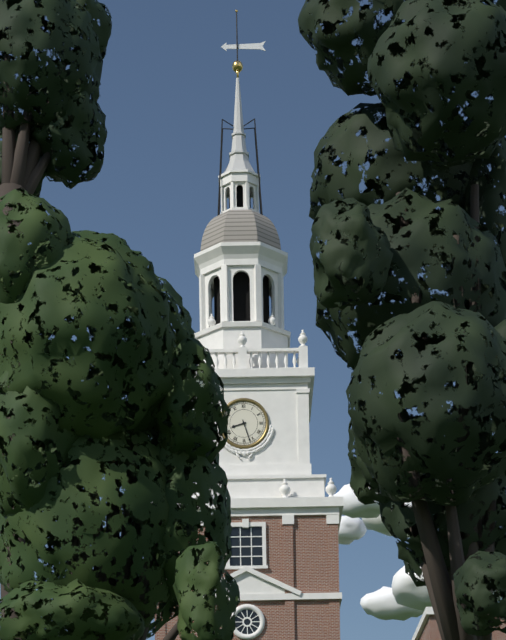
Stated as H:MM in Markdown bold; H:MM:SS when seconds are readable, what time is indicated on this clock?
**8:27**
